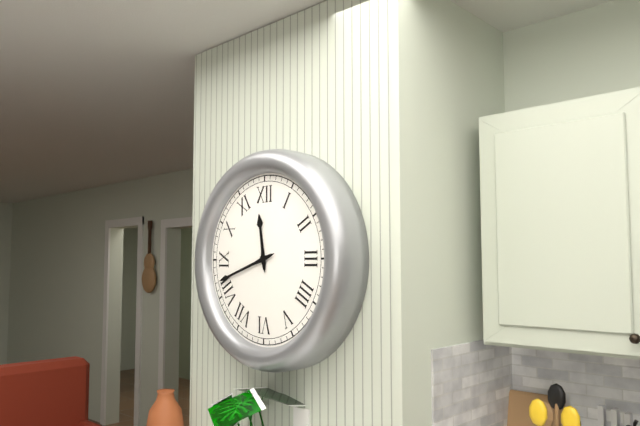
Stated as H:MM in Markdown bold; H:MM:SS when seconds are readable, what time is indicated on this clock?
**11:42**
